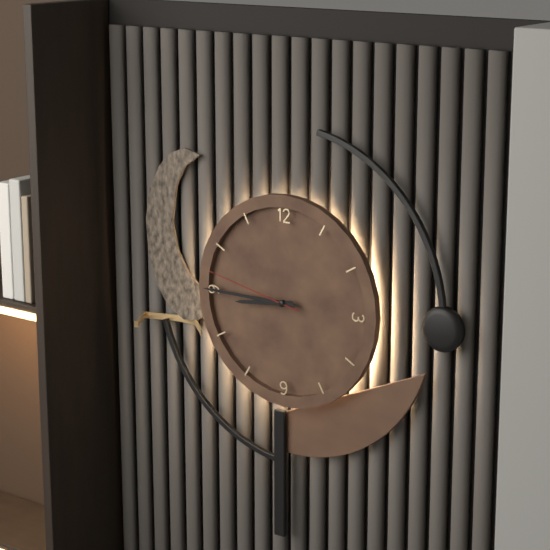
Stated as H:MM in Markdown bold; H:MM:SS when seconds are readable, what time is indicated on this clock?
**8:45:47**
